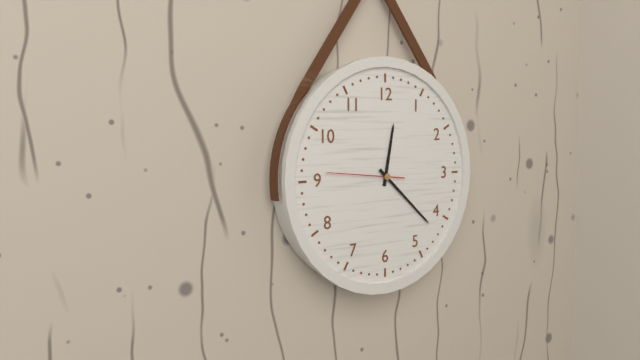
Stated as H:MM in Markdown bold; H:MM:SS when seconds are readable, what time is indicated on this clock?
**12:22:46**
